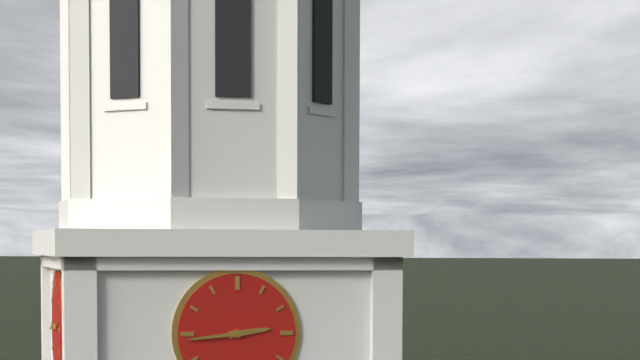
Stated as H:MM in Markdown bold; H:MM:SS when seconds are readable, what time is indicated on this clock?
**2:44**
